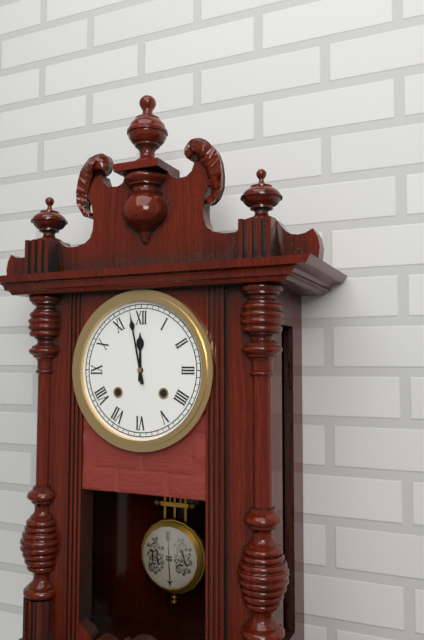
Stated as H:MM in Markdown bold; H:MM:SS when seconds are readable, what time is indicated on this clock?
**11:58**
